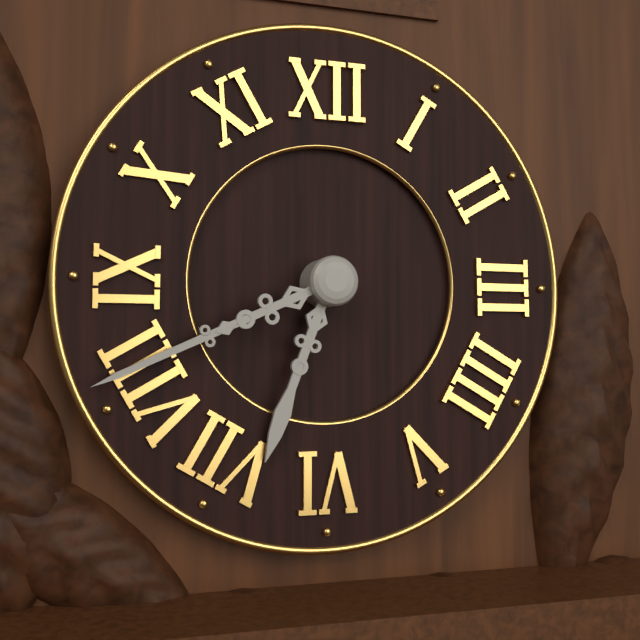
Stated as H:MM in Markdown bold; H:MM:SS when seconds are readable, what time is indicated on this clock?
**6:41**
